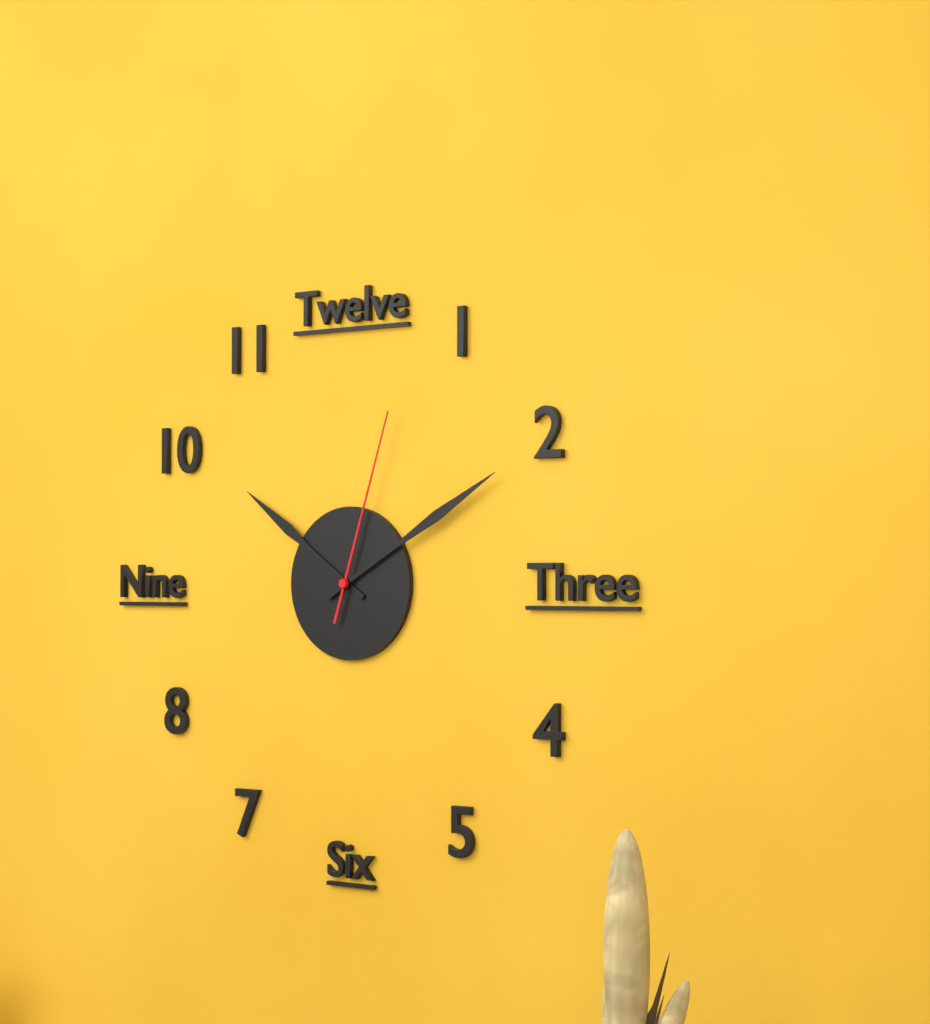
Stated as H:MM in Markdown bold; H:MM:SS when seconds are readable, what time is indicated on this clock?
**10:10:03**
